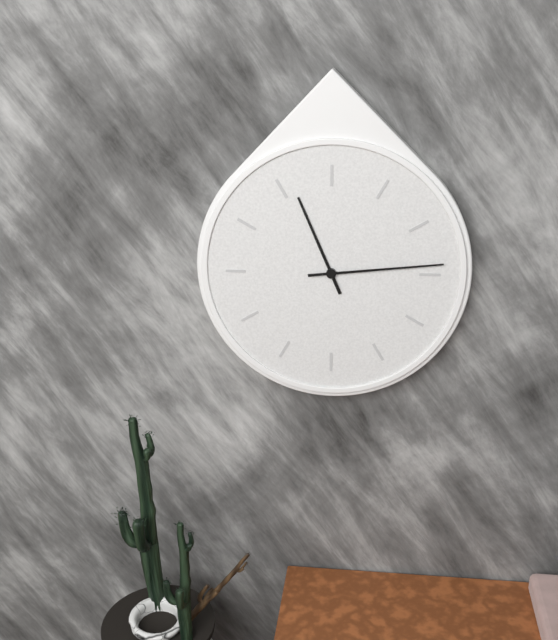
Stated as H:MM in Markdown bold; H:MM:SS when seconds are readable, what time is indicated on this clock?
**11:14**
